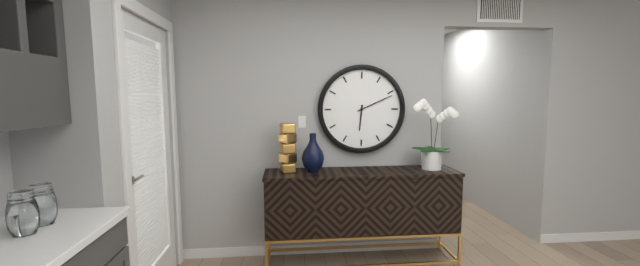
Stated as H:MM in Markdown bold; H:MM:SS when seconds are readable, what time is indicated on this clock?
**6:11**
